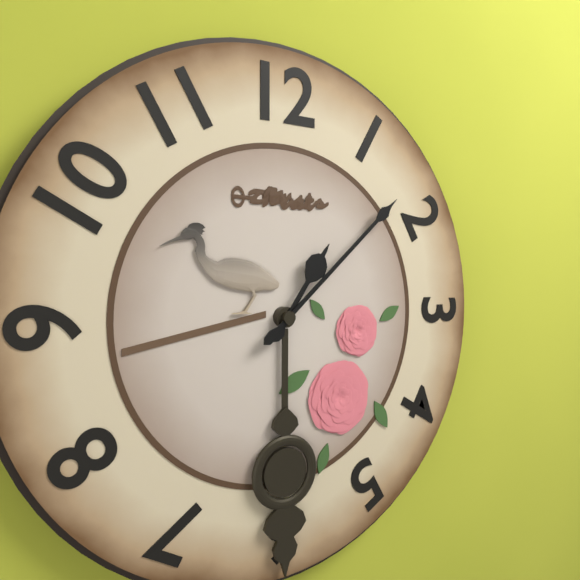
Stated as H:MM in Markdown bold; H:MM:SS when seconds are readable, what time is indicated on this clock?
**1:08**
